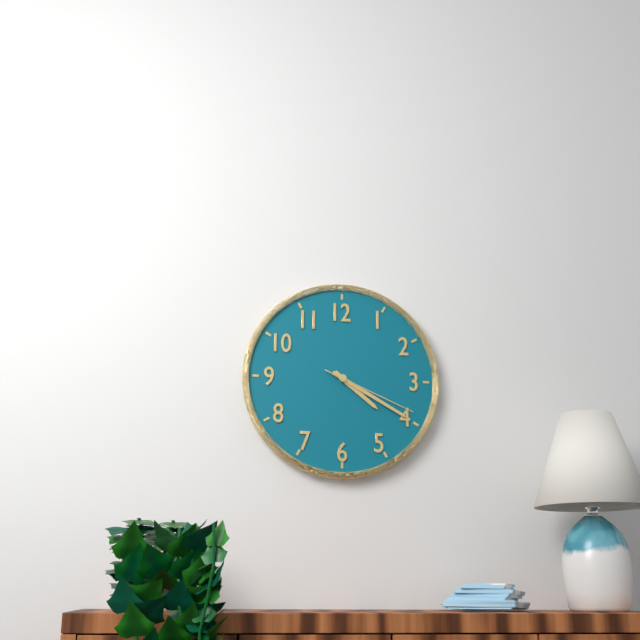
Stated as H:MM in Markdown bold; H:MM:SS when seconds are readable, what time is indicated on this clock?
**4:20:19**
